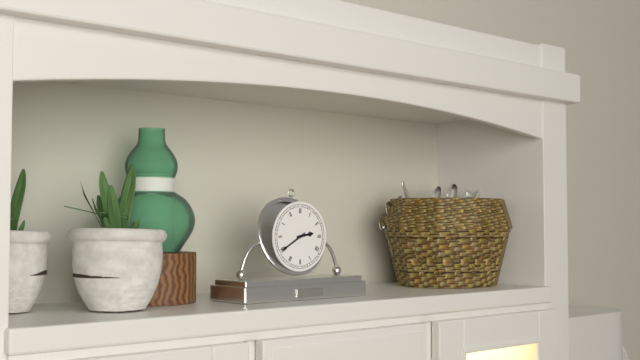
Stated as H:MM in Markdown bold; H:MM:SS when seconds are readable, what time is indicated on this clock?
**2:40**
